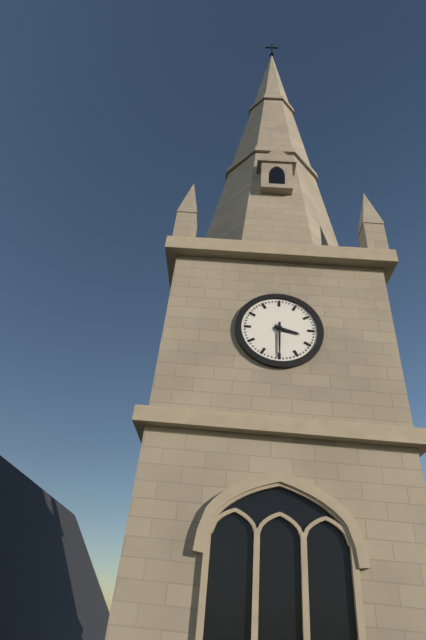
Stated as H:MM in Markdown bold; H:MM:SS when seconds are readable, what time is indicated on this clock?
**3:30**
